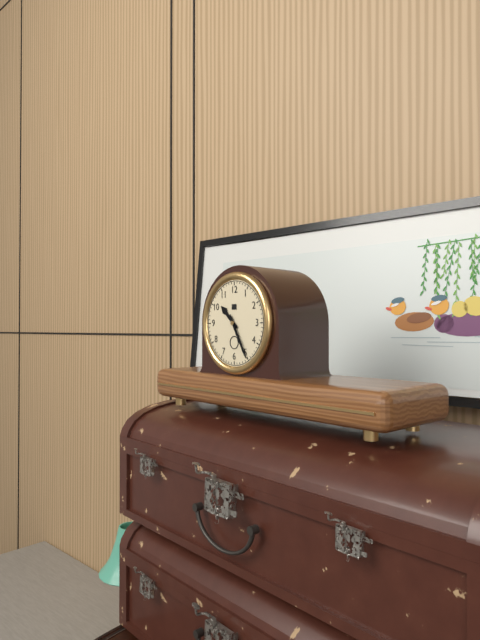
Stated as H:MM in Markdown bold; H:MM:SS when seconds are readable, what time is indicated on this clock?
**10:25**
